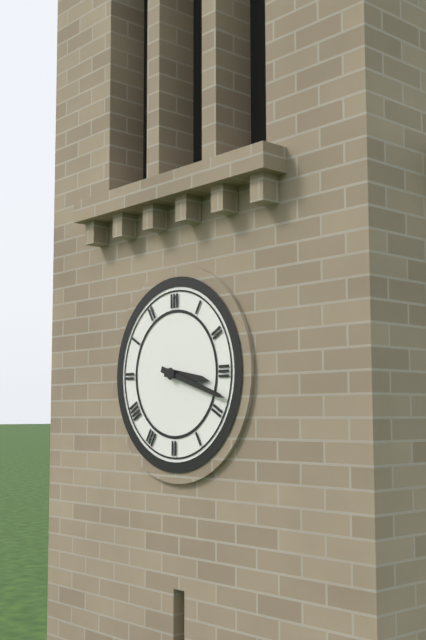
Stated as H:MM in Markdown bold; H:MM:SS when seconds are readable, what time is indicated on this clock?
**3:18**
